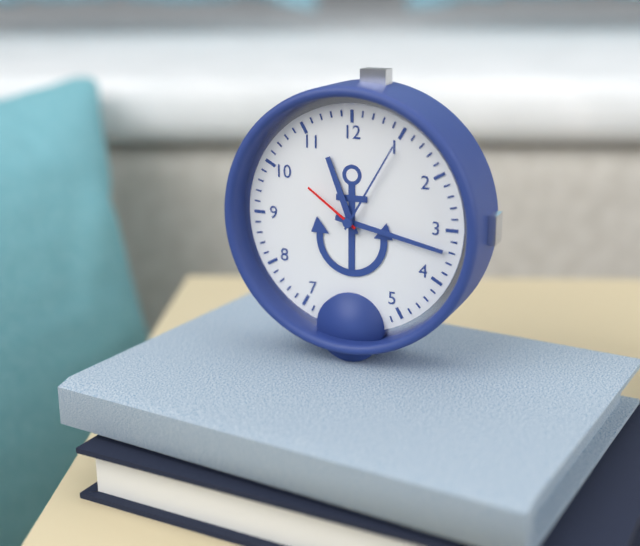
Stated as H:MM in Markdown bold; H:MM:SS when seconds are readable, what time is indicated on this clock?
**11:17:51**
